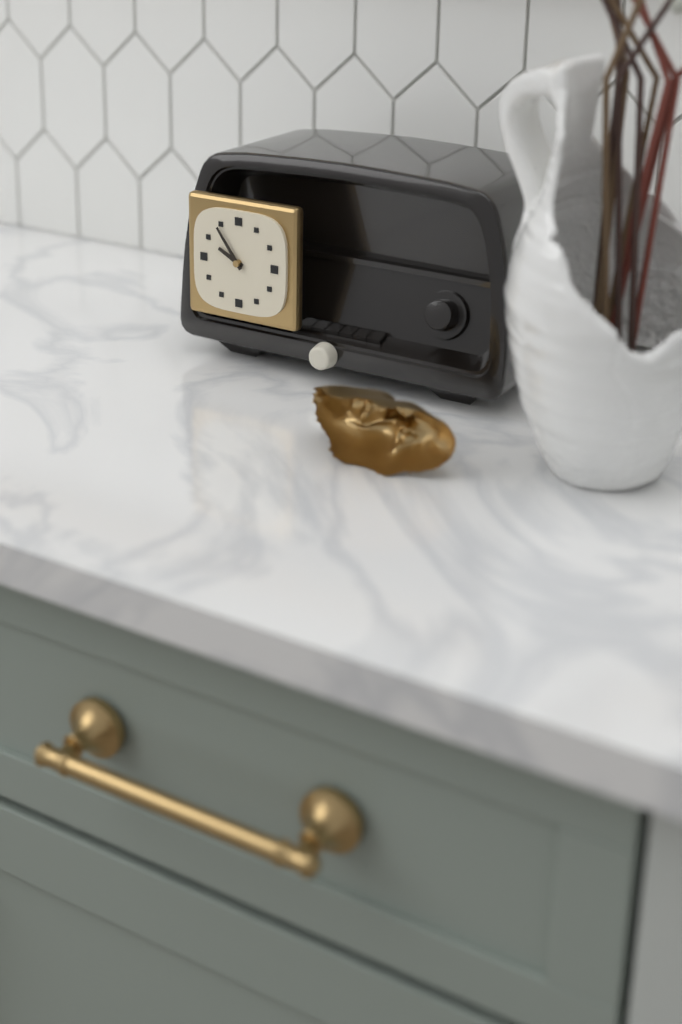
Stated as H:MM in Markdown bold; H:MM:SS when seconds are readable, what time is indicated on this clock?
**9:54**
